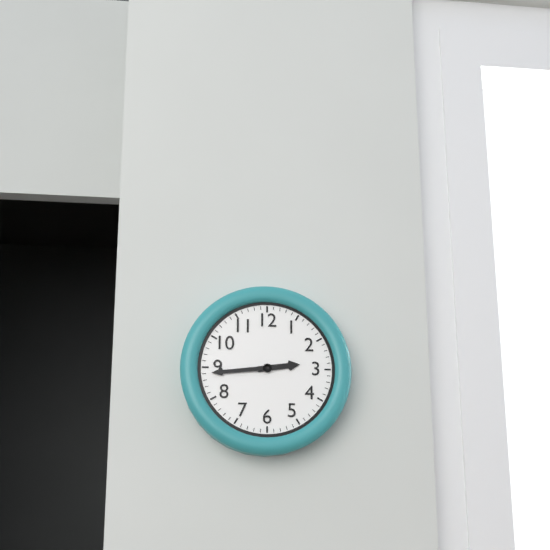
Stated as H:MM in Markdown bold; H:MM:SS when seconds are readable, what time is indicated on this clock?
**2:44**
